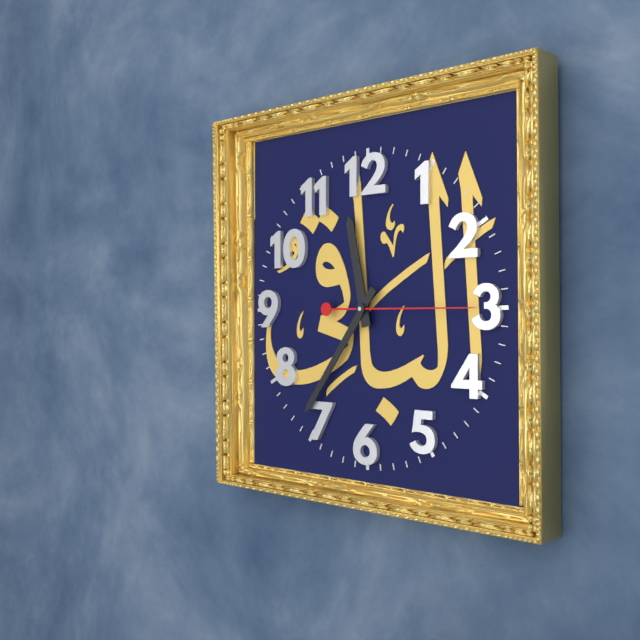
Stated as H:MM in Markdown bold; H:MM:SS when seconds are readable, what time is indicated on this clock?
**11:36:15**
